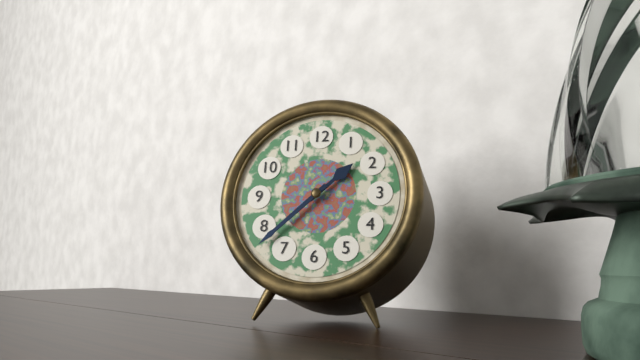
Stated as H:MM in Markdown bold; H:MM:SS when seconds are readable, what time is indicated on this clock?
**1:38**
